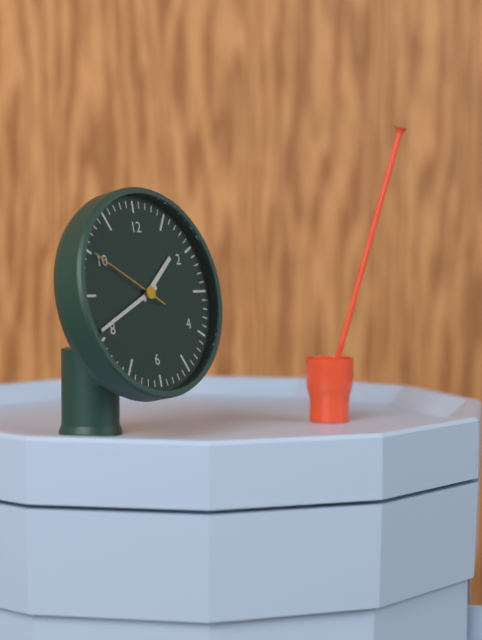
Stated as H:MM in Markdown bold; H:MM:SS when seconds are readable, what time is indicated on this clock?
**1:41:50**
